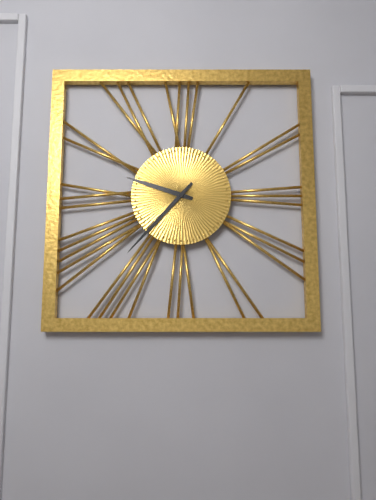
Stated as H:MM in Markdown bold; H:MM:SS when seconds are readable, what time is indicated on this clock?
**9:37**
